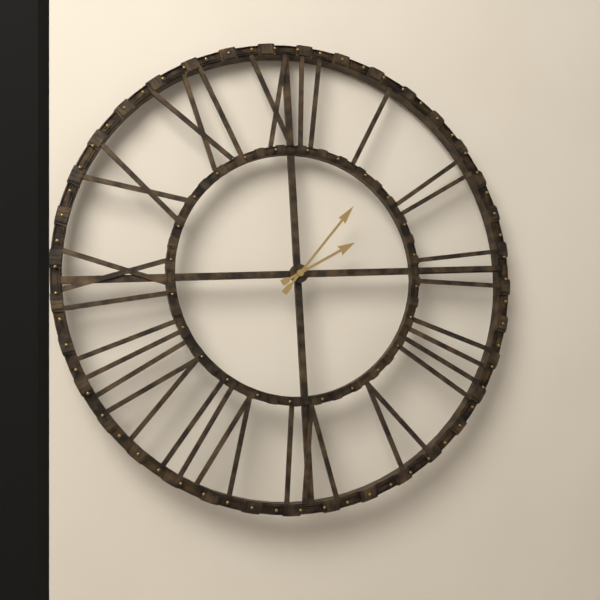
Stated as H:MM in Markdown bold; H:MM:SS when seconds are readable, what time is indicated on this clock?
**2:07**
